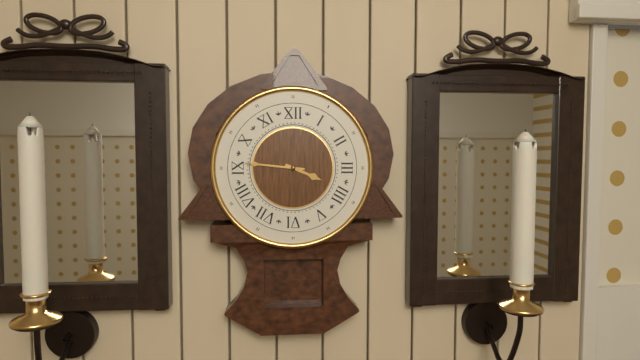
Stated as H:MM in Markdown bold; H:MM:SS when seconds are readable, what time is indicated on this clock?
**3:46**
